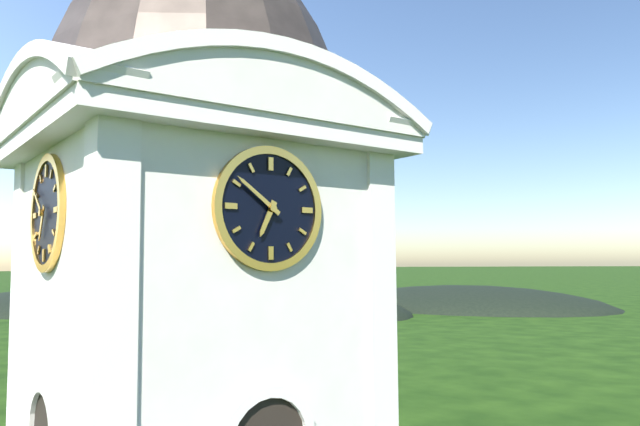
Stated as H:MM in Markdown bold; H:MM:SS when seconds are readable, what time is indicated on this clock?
**6:51**
